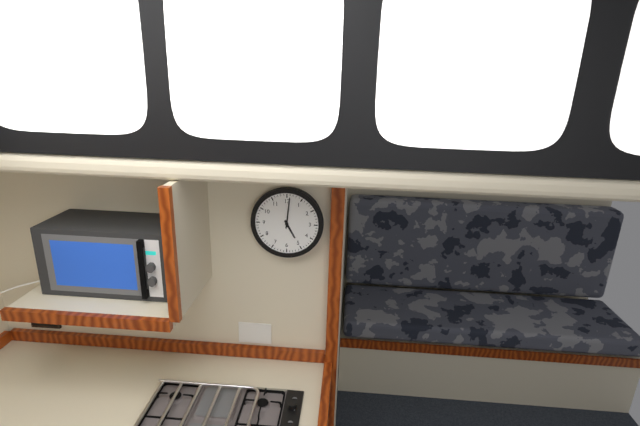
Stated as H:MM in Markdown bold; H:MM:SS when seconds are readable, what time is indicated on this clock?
**5:01**
